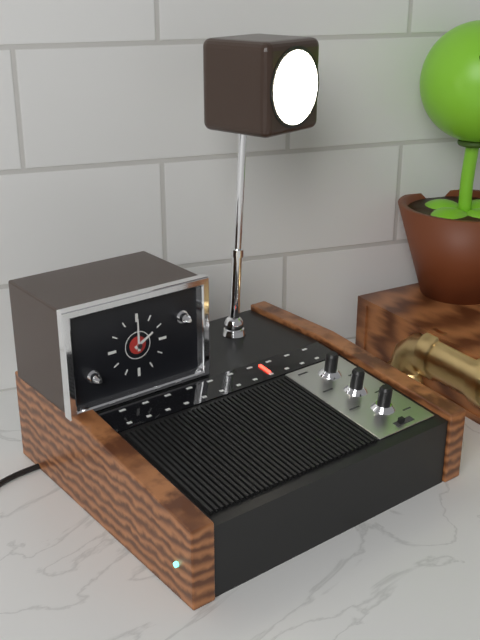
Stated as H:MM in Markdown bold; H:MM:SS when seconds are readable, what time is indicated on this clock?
**2:00**
